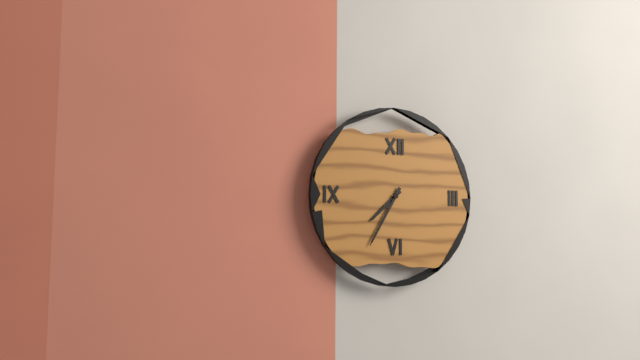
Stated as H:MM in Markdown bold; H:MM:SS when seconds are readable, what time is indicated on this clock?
**7:35**
